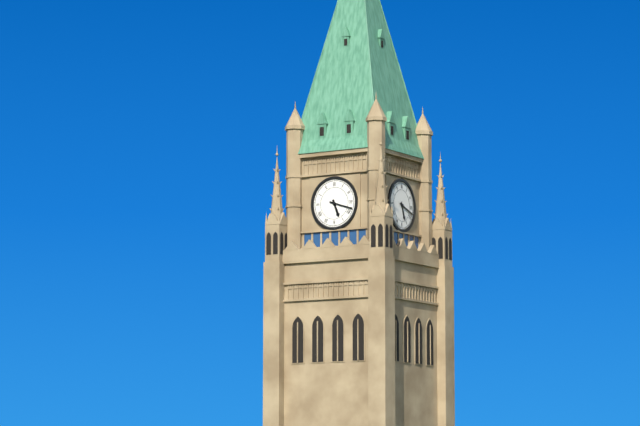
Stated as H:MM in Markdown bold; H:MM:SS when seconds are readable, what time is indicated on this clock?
**5:18**
